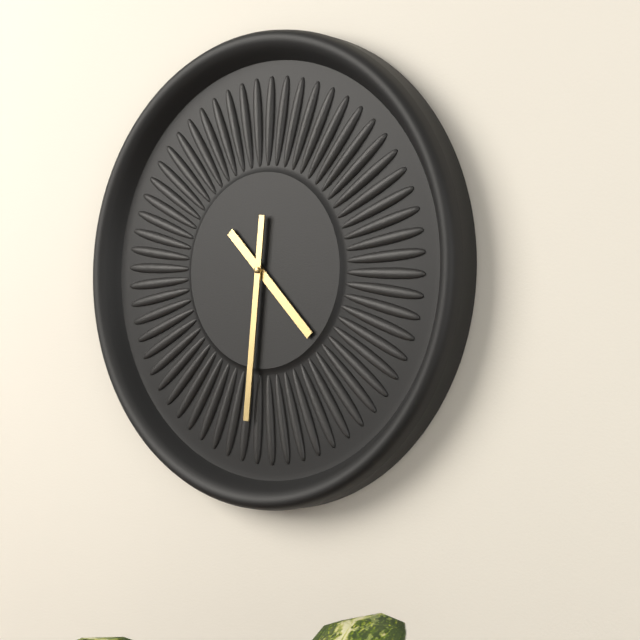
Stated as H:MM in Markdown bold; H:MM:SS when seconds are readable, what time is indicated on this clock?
**4:31**
